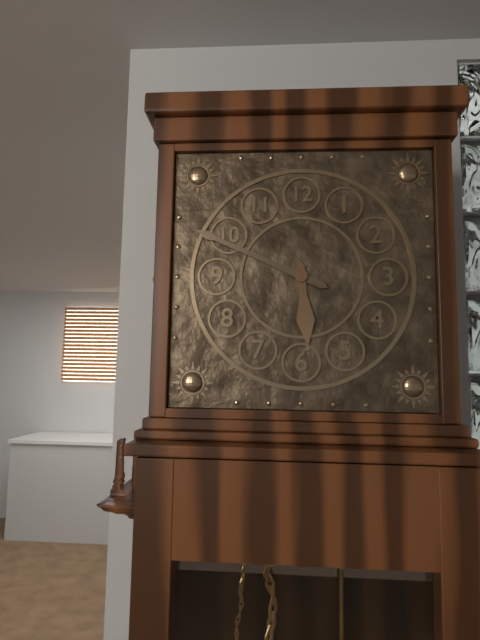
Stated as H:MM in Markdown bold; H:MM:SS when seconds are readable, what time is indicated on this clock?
**5:49**
